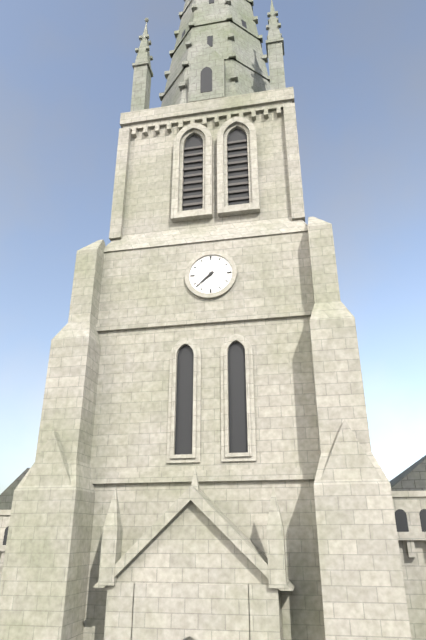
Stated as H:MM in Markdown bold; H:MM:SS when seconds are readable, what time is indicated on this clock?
**7:38**
